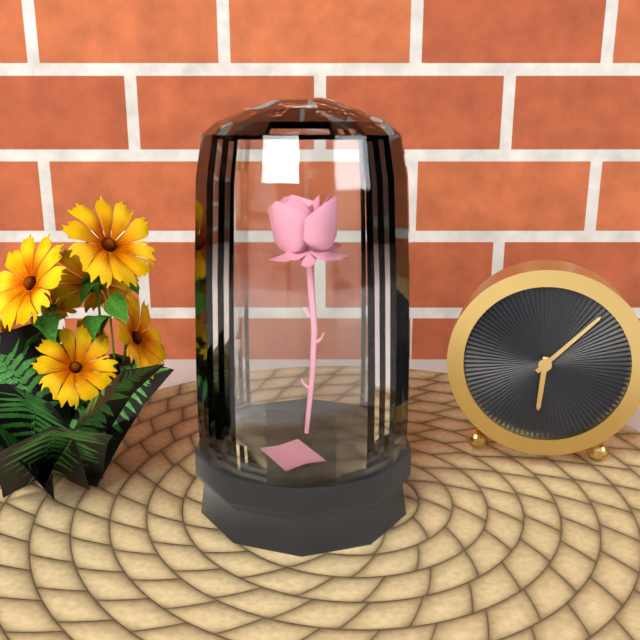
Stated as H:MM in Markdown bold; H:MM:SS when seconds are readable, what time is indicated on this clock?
**6:07**
